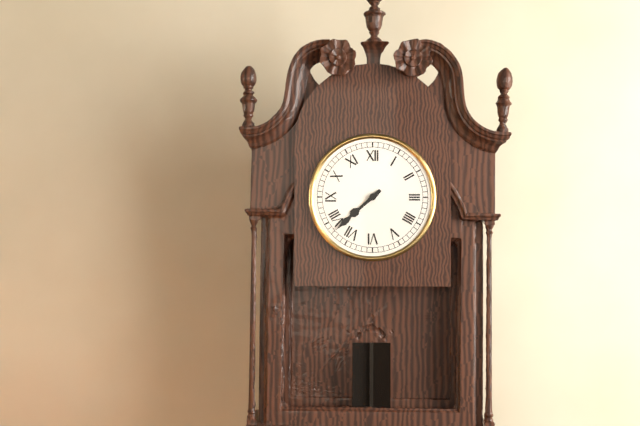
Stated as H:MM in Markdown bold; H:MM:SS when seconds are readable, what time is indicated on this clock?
**7:38**
